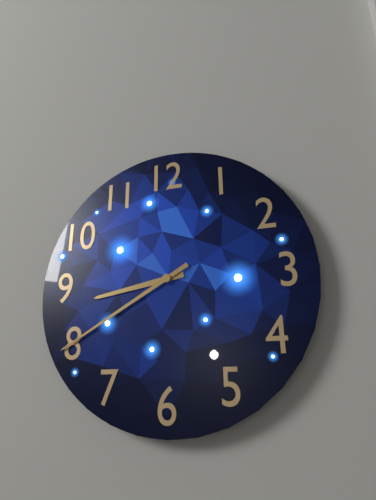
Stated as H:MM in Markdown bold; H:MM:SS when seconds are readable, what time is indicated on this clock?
**8:40**
